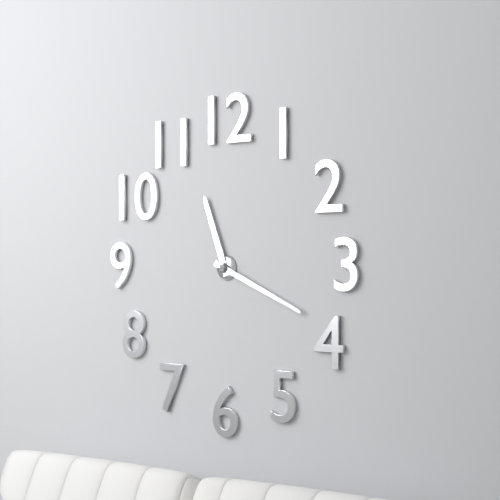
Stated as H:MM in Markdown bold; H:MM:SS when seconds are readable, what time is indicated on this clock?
**11:19**
